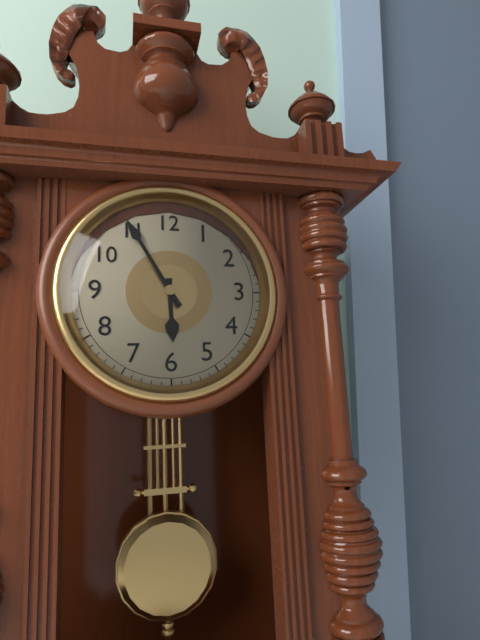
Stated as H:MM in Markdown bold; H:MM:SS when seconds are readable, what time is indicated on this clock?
**5:55**
